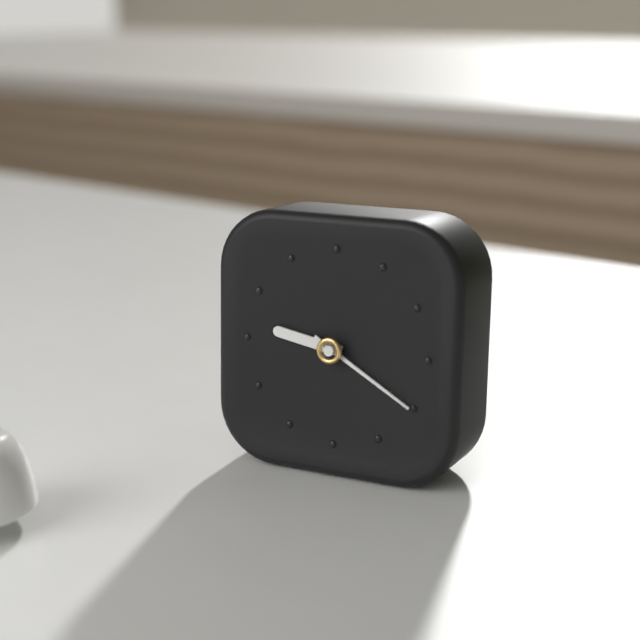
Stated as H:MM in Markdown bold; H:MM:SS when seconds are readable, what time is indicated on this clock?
**9:20**
